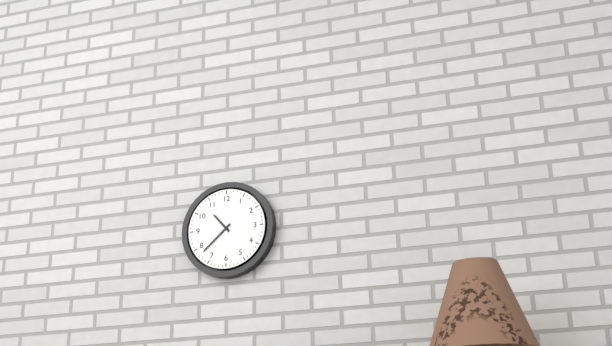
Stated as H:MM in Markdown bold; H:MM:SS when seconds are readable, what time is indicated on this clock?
**10:38**
